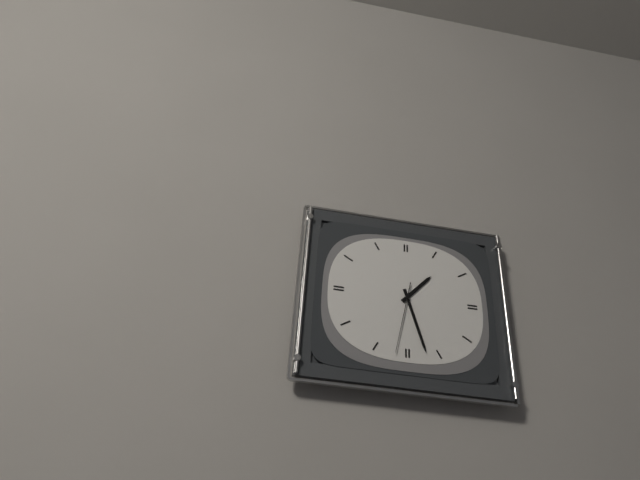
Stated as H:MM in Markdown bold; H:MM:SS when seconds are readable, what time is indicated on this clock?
**1:27:32**
